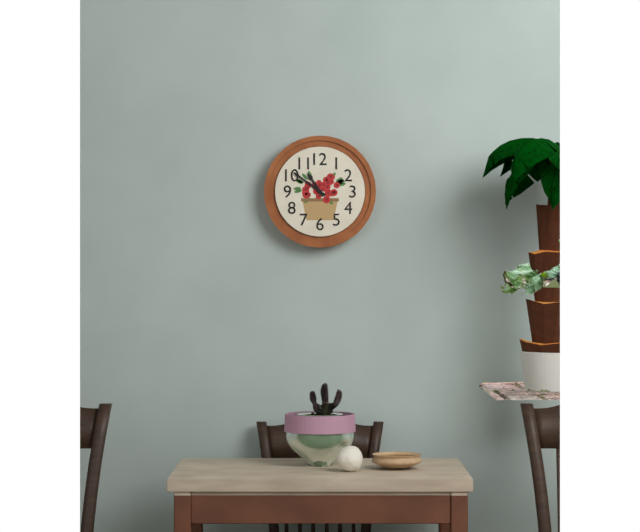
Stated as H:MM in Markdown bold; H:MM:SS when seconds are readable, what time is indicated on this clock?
**10:51**
